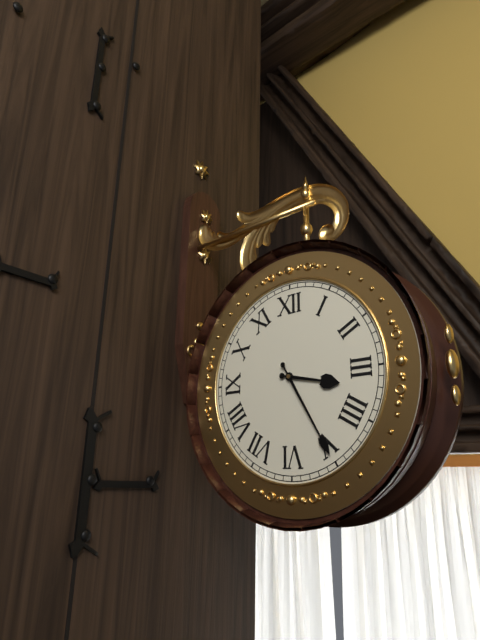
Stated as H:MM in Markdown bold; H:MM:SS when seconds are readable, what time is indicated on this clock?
**3:25**
